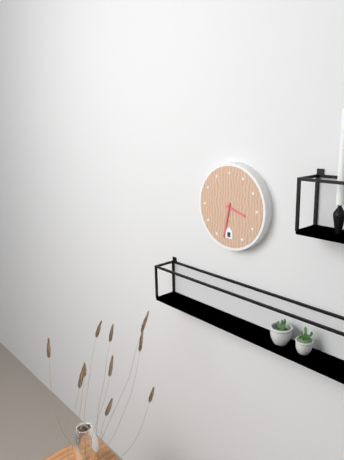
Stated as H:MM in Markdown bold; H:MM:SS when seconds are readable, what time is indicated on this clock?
**3:32**
